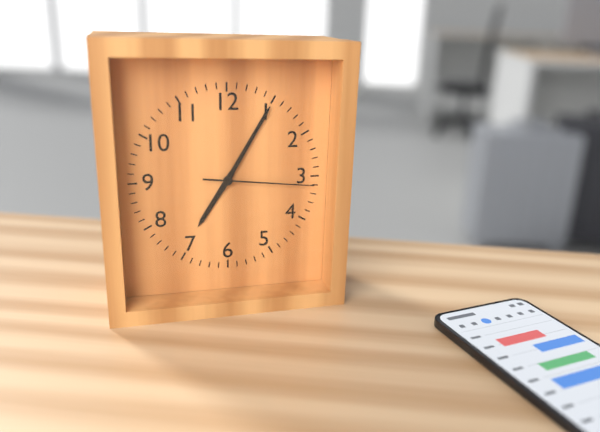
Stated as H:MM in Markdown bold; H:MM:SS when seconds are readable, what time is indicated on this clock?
**7:05:16**
